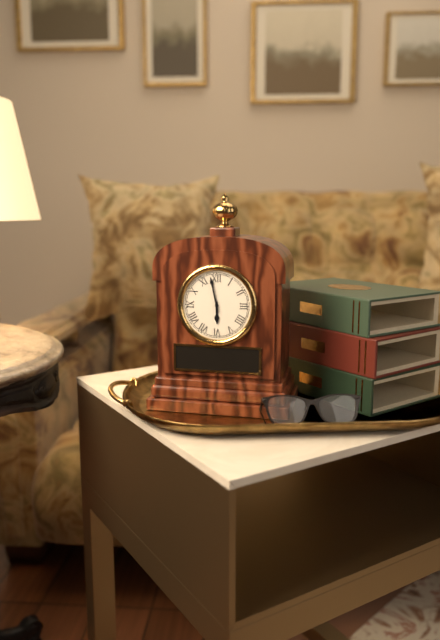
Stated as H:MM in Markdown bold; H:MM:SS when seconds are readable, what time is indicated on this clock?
**5:58**
